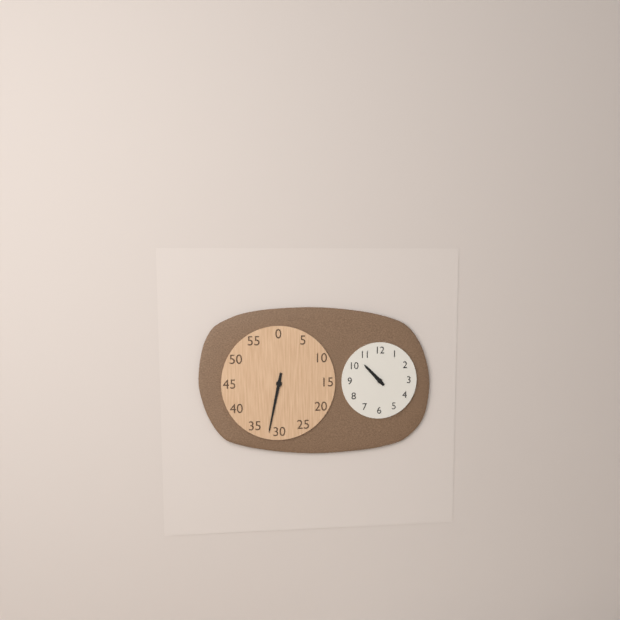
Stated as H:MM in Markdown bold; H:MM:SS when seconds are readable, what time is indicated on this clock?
**10:32**
